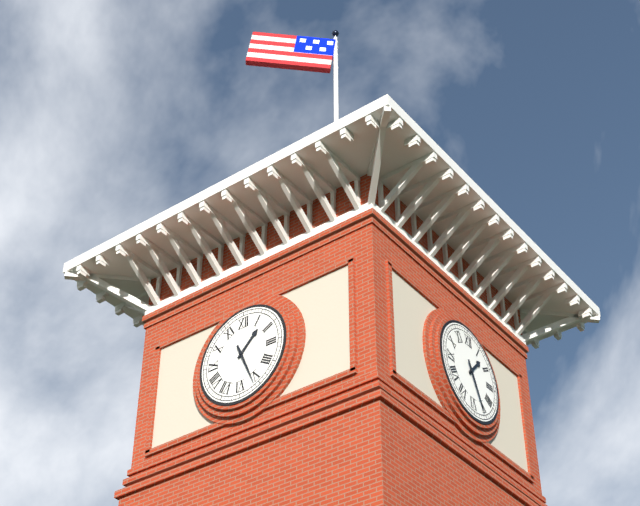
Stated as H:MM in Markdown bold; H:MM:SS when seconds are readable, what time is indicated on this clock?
**1:26**
